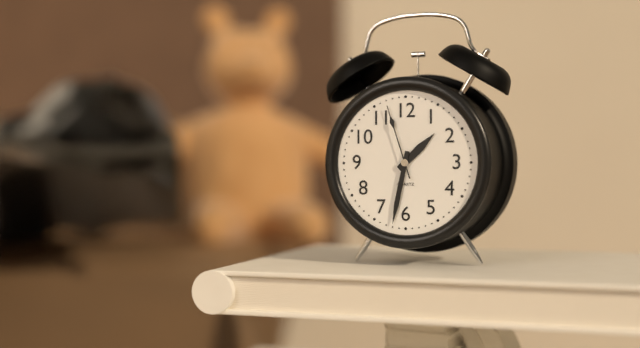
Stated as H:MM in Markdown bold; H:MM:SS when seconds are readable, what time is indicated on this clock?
**1:32:57**
